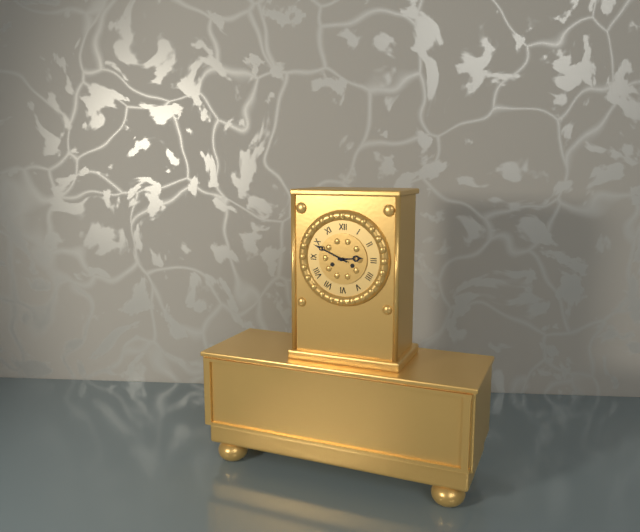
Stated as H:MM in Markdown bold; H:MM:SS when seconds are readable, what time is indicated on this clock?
**2:49**
